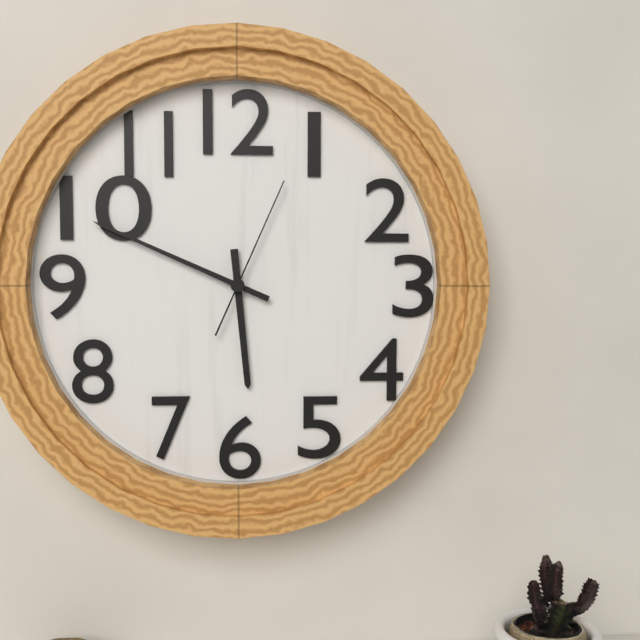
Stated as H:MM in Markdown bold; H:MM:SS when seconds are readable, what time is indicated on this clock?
**5:49:04**
